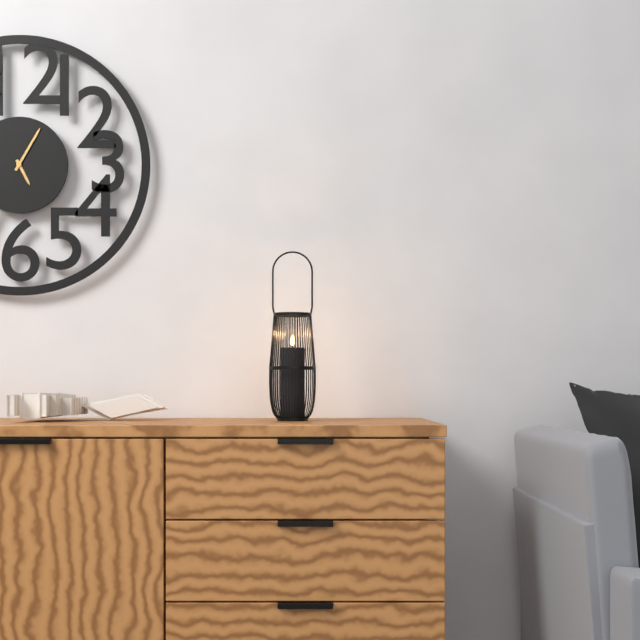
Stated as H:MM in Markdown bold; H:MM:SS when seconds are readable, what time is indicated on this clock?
**5:05**
